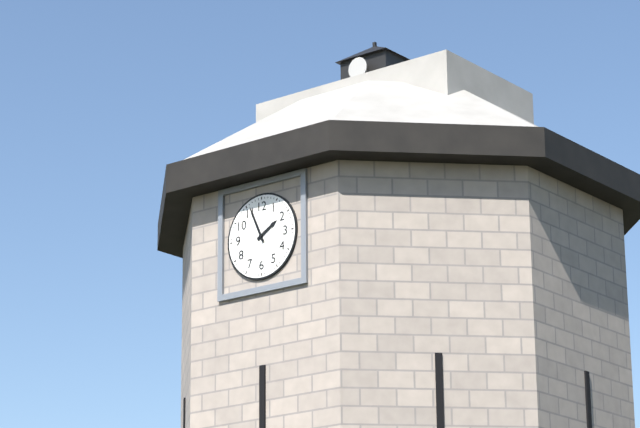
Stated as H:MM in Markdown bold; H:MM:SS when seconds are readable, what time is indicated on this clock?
**1:56**
